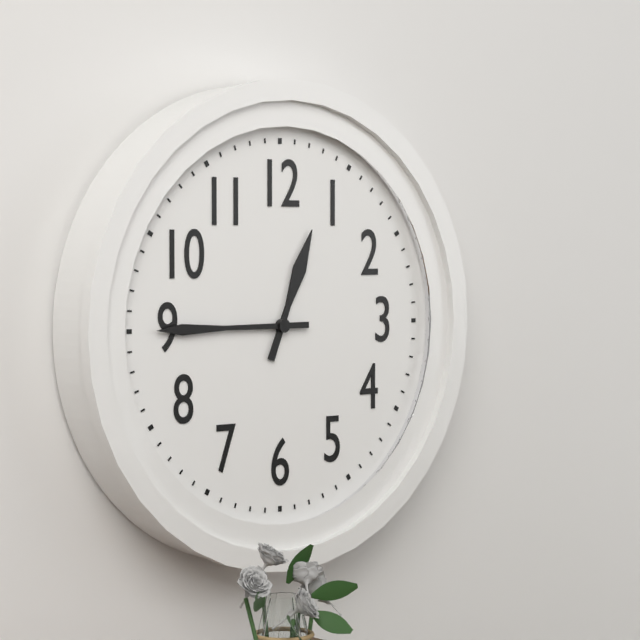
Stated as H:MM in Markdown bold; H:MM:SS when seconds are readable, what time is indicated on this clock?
**12:45**
